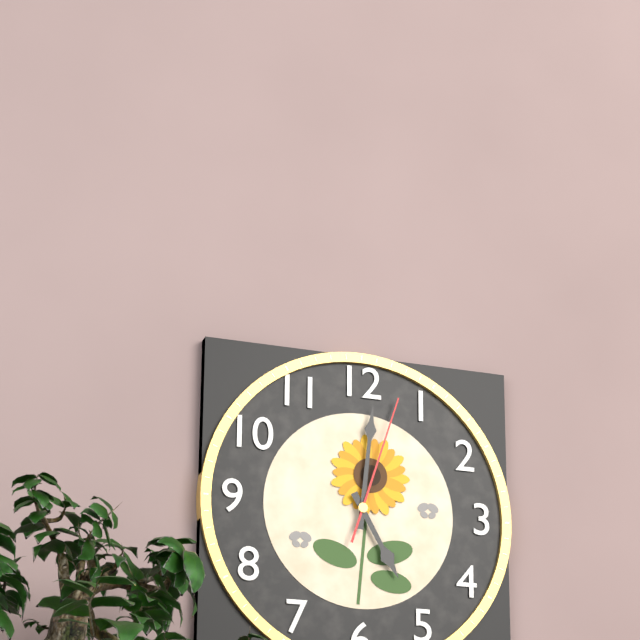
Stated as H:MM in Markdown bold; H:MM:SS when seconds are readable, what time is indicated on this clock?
**5:01:03**
